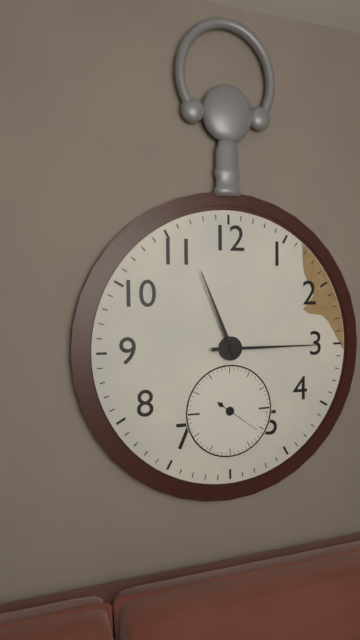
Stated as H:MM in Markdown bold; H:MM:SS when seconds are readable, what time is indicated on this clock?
**11:15**
